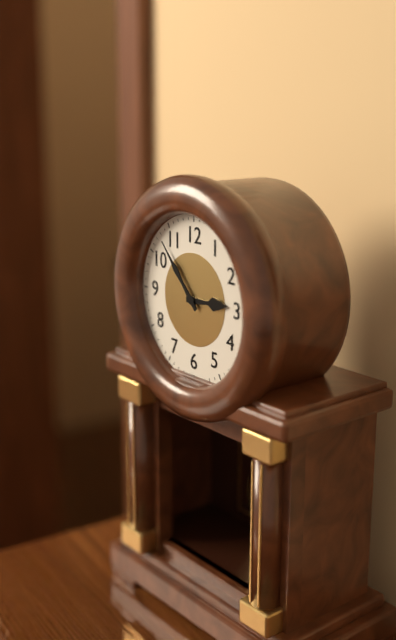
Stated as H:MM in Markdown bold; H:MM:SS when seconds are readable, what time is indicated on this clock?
**2:53**
